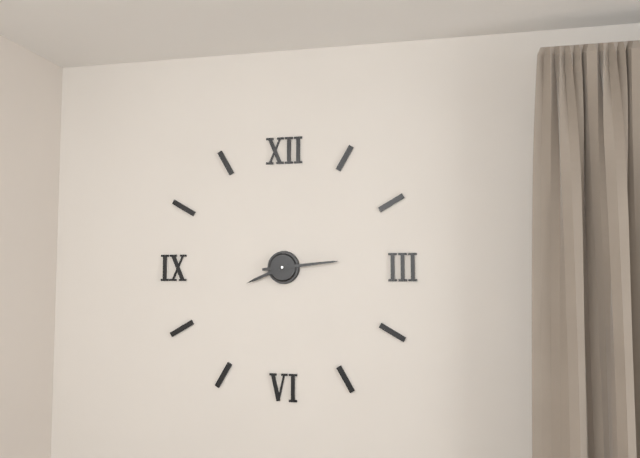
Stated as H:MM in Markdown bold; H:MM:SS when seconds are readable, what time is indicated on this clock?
**8:14**
